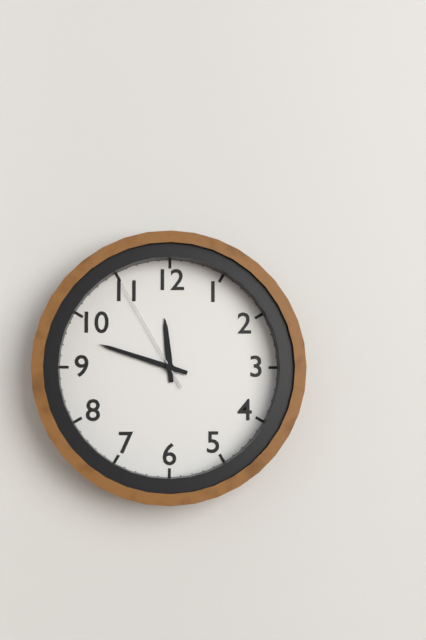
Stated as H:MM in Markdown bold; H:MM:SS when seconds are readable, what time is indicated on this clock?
**11:48:55**
